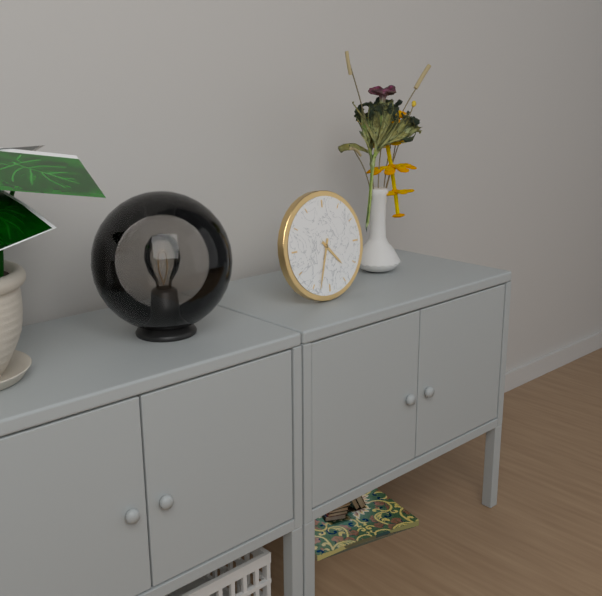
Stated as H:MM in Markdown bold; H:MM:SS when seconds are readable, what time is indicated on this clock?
**4:33**
